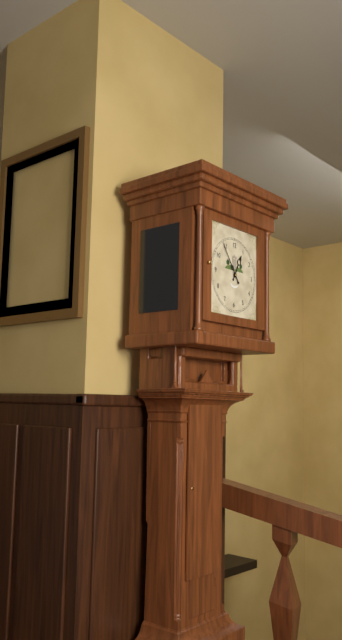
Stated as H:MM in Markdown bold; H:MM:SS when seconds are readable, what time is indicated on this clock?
**12:54**
